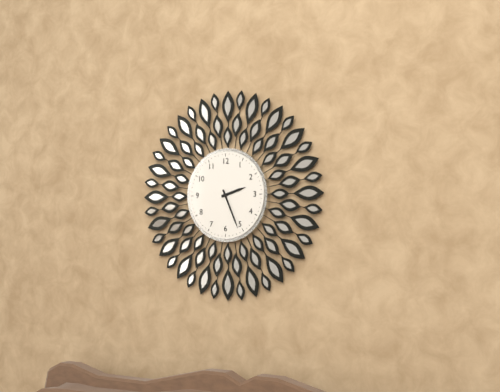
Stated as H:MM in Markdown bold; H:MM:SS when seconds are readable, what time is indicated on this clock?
**2:26**
